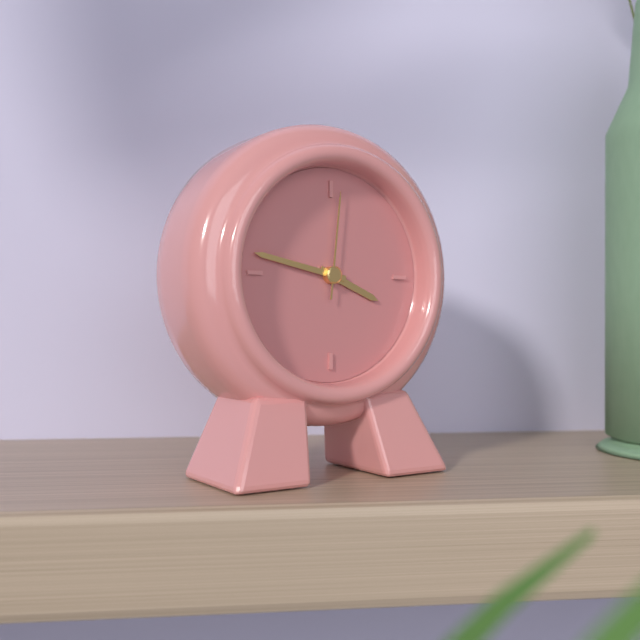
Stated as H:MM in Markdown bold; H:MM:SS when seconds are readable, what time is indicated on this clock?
**3:47:01**
